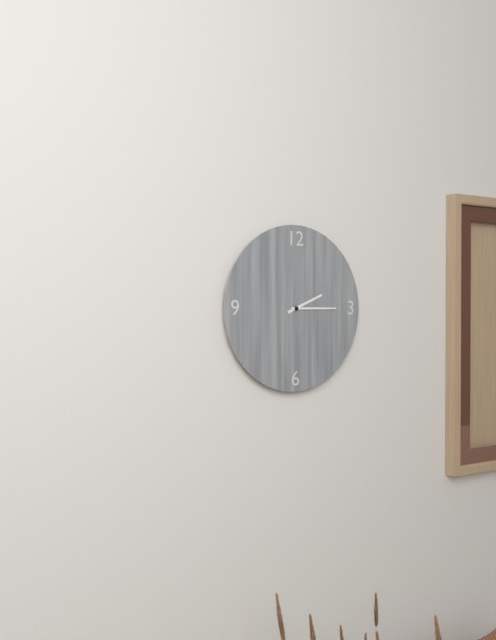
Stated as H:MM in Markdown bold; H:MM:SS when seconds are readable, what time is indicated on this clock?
**2:15**
